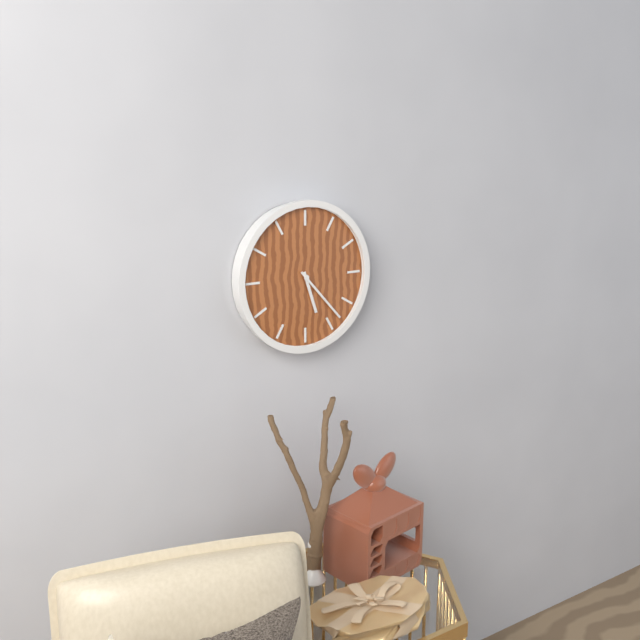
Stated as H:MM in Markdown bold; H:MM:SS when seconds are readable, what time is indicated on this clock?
**5:23**
